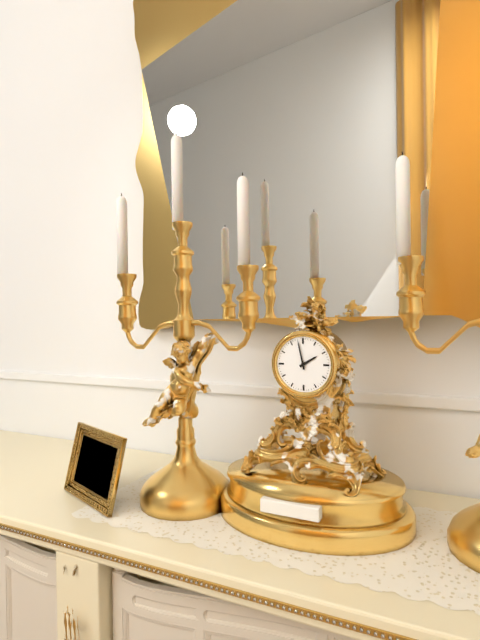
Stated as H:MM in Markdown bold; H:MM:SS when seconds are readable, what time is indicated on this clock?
**1:58**
